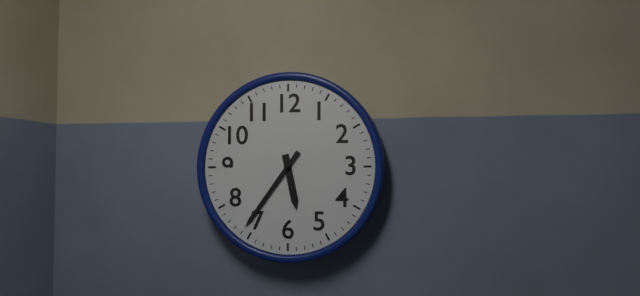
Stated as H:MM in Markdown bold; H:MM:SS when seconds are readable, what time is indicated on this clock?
**5:36**
